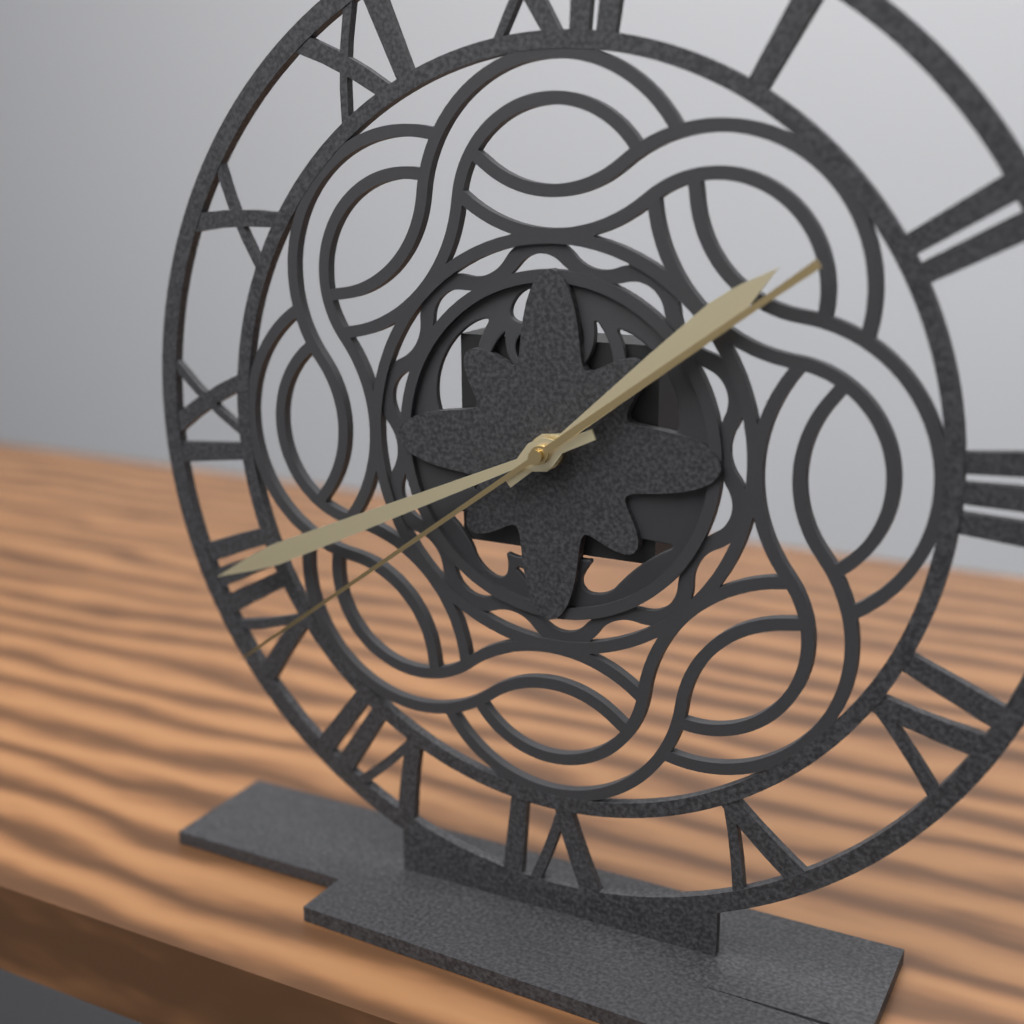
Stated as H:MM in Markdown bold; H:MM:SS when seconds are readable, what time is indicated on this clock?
**1:41:39**
